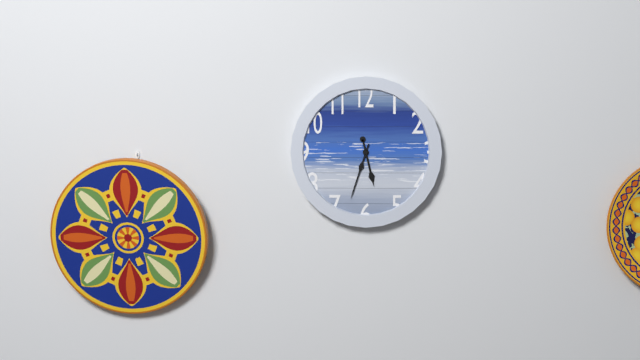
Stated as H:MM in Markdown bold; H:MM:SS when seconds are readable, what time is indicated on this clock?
**5:33**
